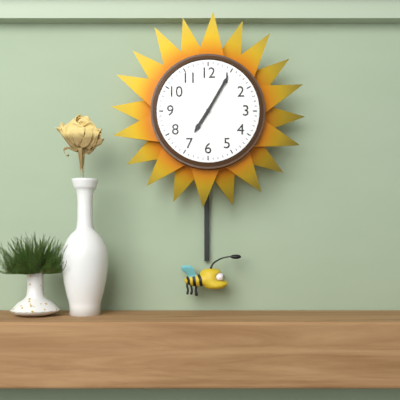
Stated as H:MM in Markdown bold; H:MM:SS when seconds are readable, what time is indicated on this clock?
**7:05**
